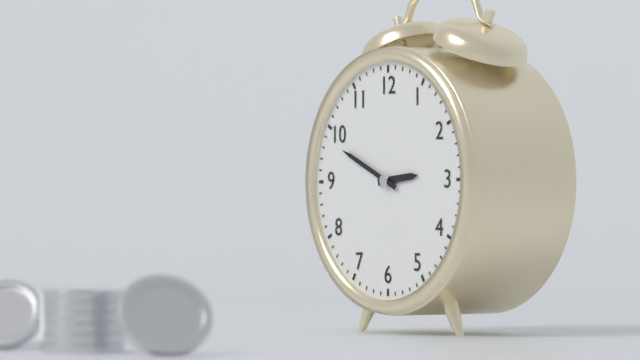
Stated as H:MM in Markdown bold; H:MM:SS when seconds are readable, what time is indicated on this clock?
**2:49**
